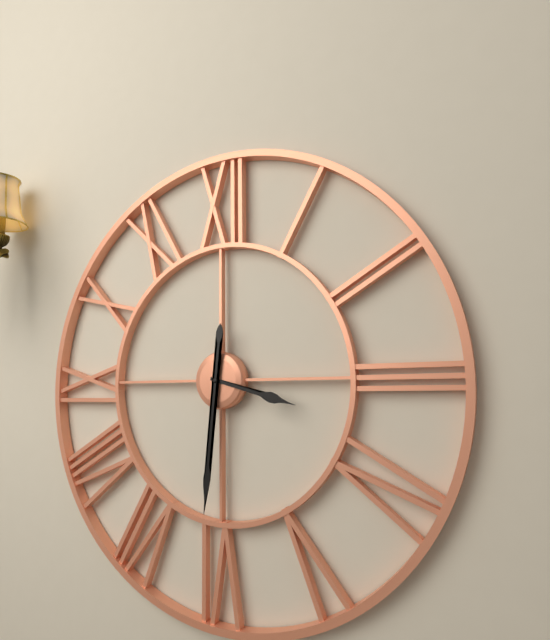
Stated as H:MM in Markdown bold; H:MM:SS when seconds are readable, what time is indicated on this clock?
**3:31**
